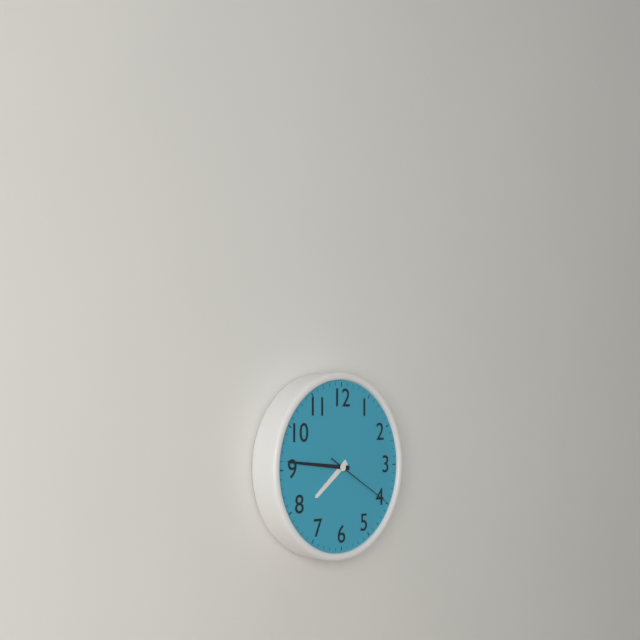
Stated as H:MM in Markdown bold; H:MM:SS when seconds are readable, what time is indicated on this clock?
**7:46:20**
